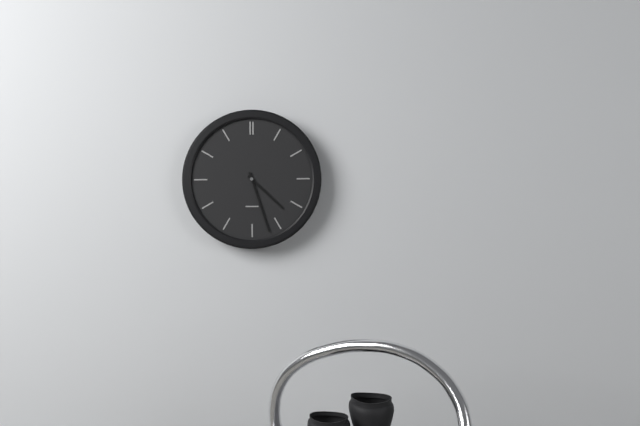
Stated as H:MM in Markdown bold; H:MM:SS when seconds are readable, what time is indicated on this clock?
**4:27**
